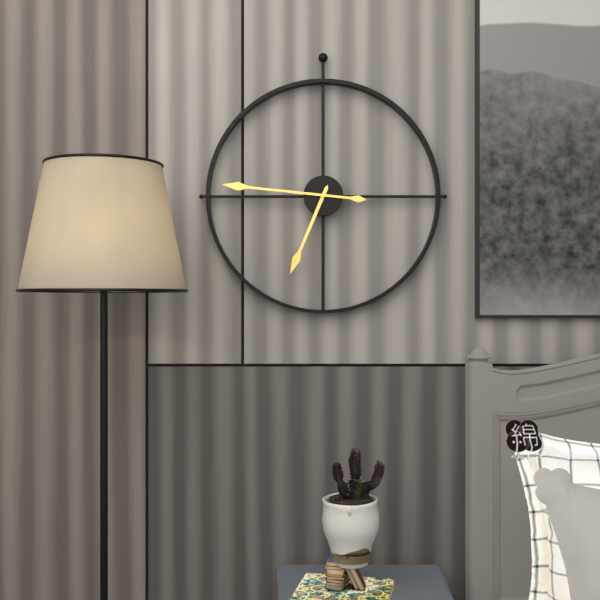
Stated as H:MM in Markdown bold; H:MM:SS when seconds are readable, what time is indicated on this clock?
**6:46**
